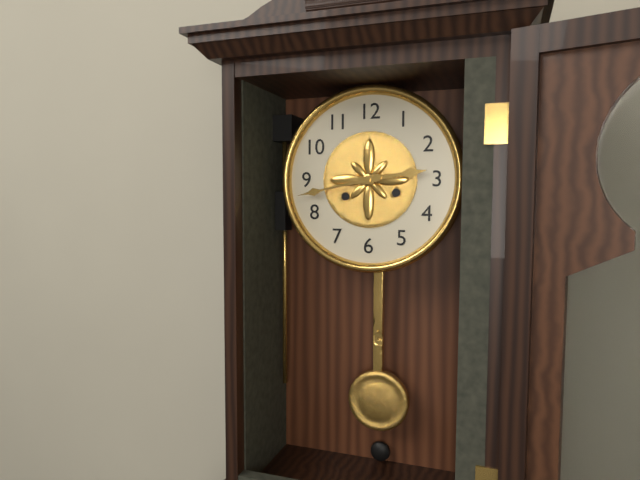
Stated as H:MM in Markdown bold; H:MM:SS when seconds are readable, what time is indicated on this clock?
**2:43**
